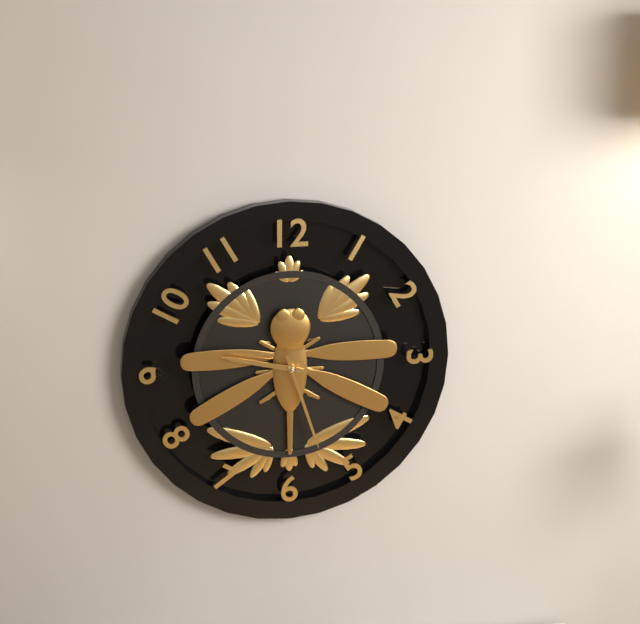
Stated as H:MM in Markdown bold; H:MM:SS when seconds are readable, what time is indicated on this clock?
**9:27**
